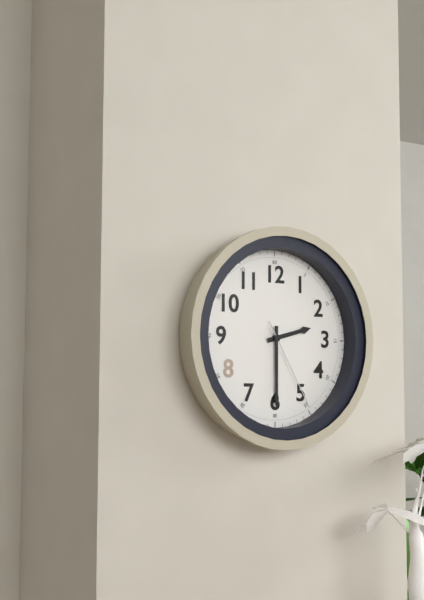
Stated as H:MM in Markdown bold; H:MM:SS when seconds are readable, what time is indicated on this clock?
**2:30:25**
